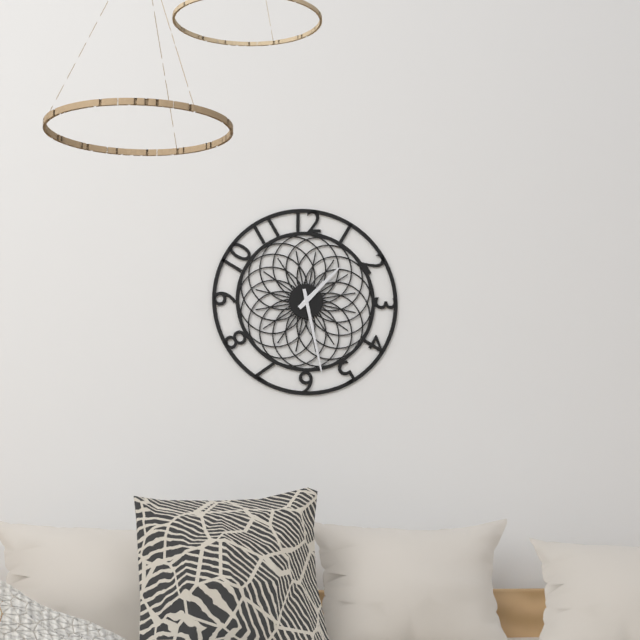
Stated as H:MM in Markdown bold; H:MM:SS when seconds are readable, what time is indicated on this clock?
**1:28**
